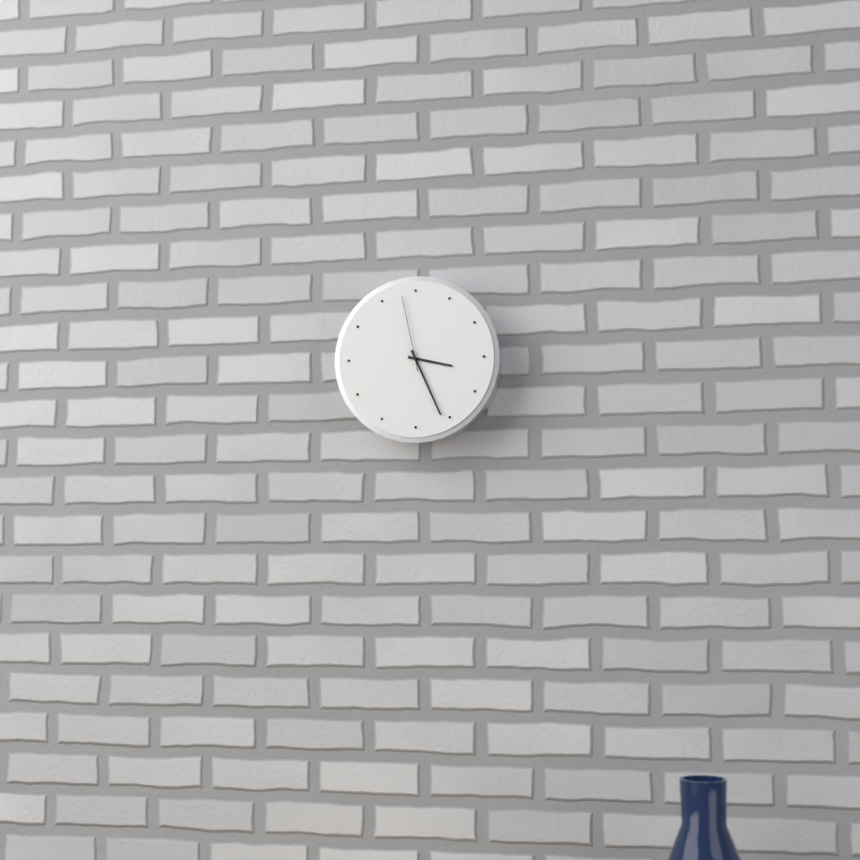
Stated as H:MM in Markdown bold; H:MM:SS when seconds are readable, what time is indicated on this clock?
**3:26:58**
